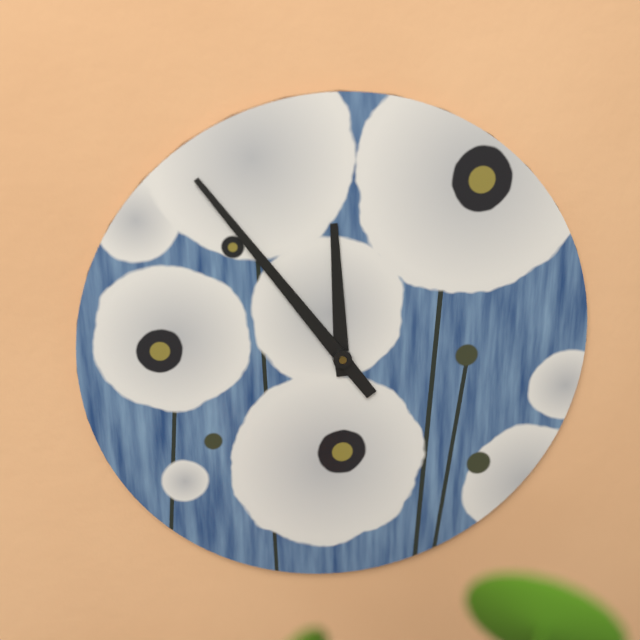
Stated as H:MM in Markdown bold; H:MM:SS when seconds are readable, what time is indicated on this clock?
**11:54**
